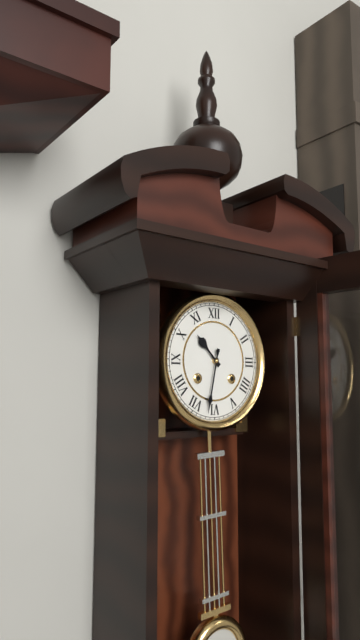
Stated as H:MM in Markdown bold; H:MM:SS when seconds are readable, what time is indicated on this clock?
**10:32**
